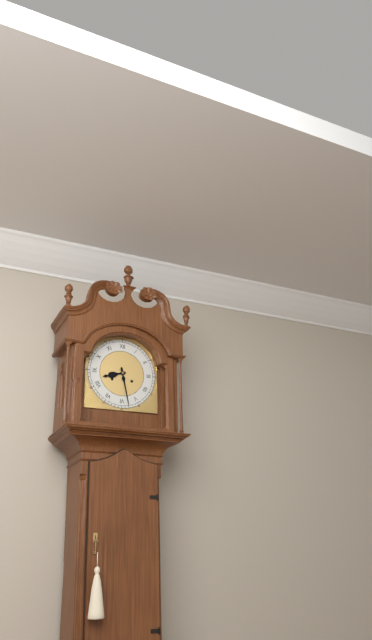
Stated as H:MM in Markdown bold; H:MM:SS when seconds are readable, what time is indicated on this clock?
**8:28**
